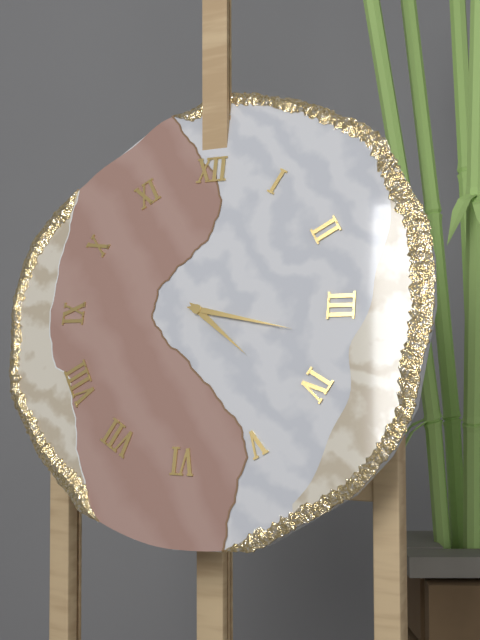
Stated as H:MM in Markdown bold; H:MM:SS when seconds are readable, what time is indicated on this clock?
**4:17**
